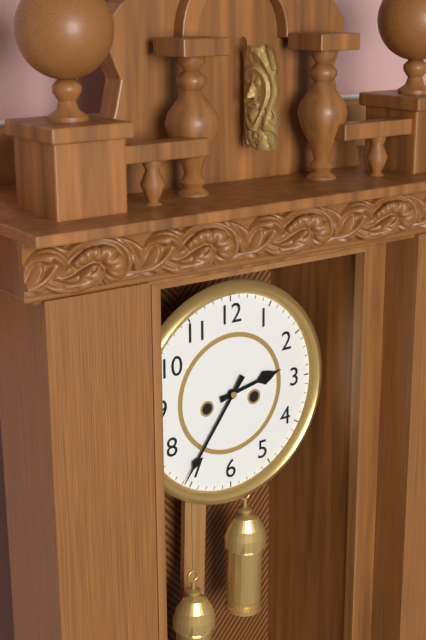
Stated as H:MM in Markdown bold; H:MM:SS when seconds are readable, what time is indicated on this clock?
**2:36**
